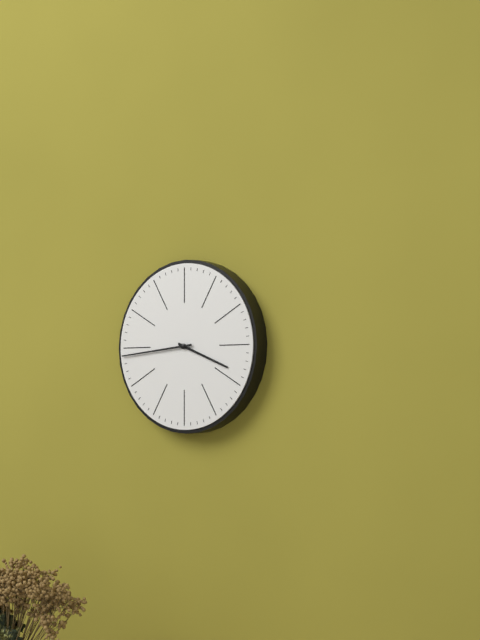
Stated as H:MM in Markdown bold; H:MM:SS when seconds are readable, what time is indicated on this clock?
**3:44**
